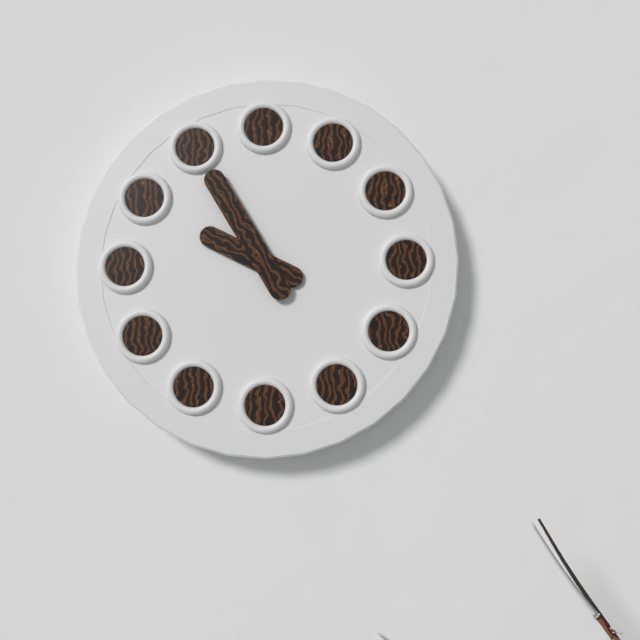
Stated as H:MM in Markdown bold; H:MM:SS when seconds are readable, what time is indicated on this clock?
**9:55**
